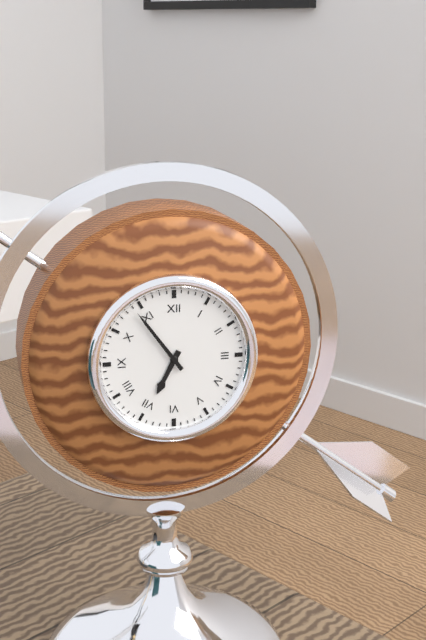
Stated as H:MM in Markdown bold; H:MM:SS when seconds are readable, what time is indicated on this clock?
**6:54**
